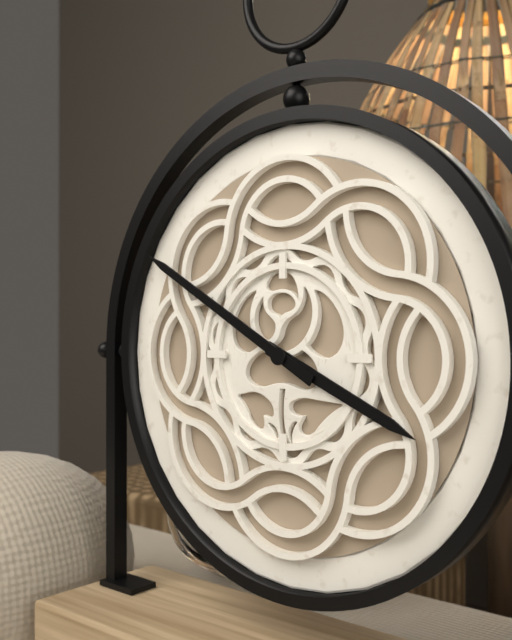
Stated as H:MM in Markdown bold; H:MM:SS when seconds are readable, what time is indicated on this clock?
**3:50**
